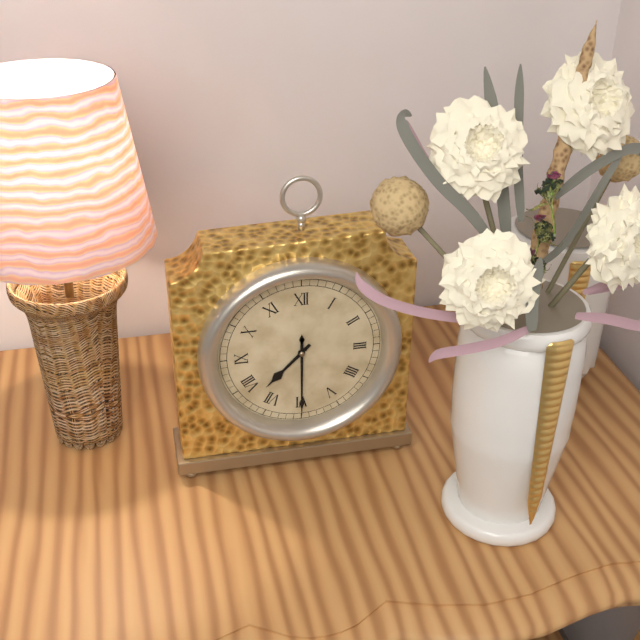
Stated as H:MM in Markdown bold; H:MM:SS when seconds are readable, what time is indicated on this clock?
**7:30**
